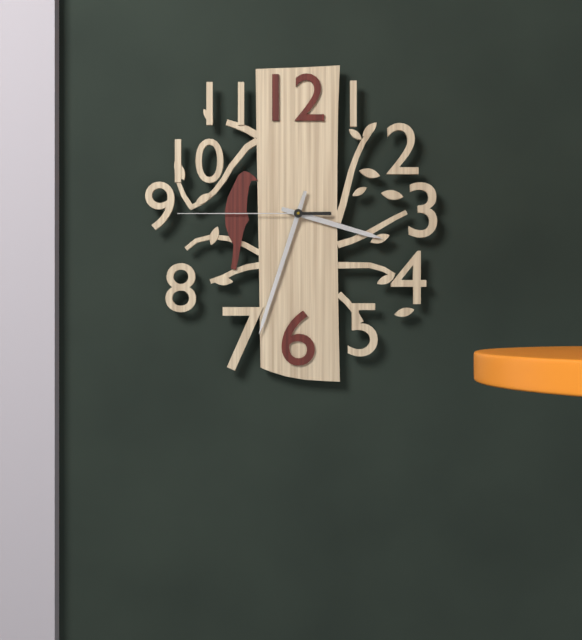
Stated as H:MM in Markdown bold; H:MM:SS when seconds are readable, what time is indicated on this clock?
**3:33:45**
